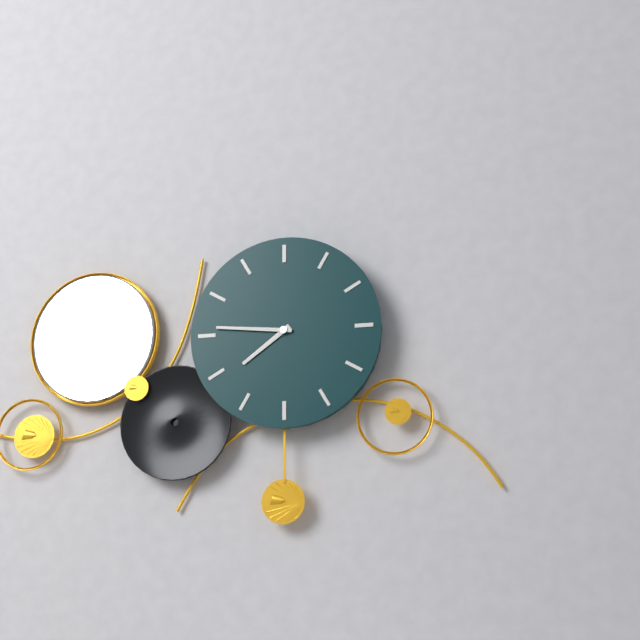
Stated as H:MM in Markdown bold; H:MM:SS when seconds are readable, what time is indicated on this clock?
**7:46**
